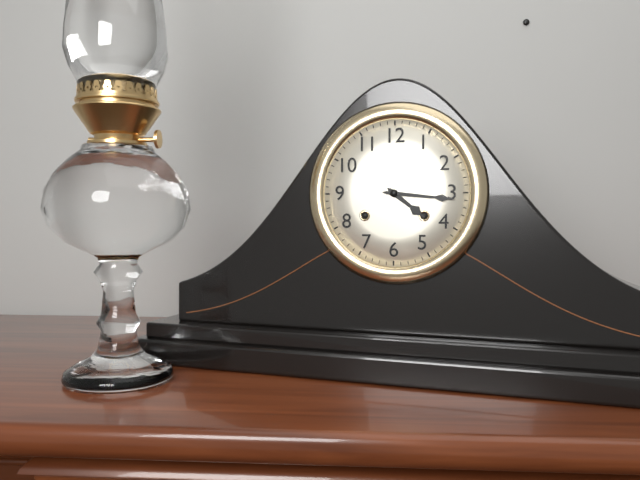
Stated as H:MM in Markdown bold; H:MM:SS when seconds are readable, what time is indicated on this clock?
**4:16**
